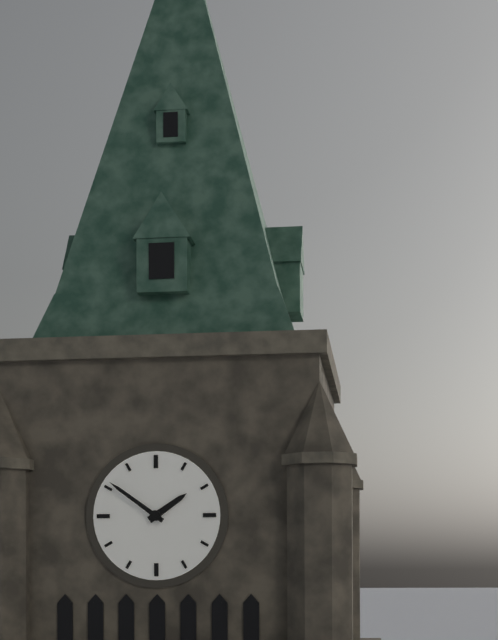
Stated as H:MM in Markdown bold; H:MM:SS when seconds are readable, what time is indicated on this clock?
**1:51**
